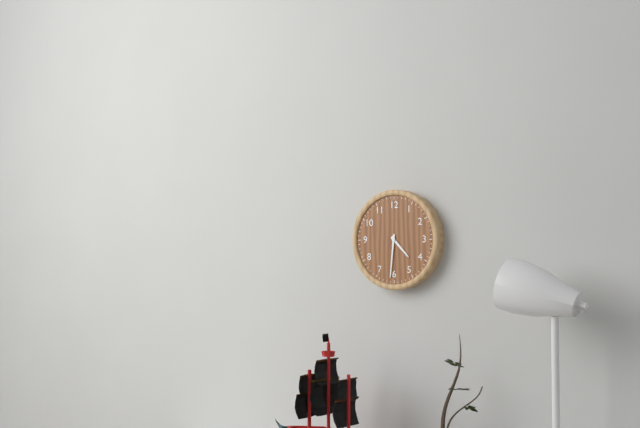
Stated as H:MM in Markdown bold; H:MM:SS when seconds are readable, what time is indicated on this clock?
**4:31**
